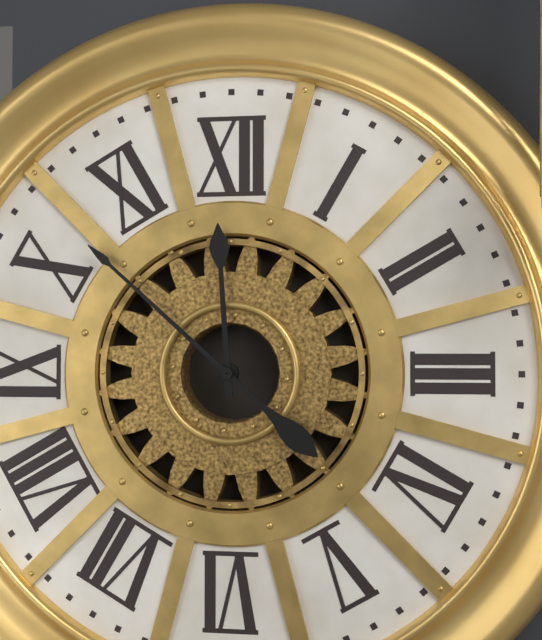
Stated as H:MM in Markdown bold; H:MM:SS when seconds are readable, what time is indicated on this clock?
**11:52**
